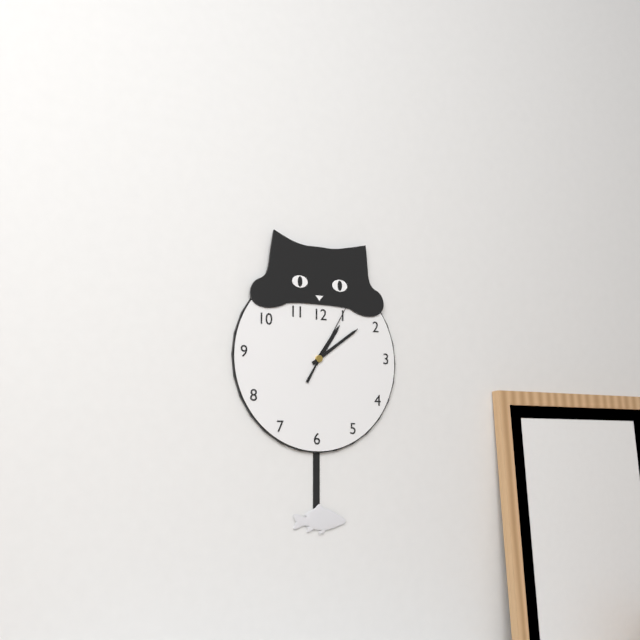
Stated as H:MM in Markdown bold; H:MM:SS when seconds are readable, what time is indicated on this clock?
**1:09:05**
